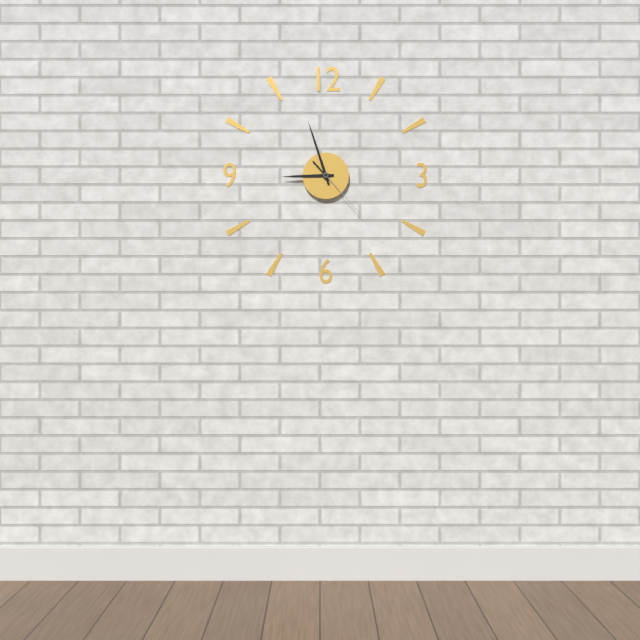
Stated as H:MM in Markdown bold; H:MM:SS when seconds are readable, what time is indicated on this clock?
**8:57:23**
